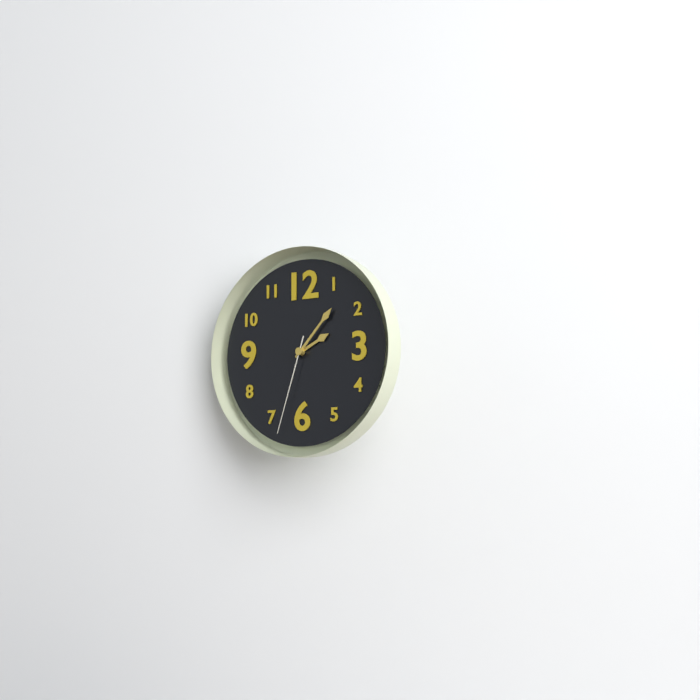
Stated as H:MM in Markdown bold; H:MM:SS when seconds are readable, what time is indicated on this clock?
**2:07:33**
